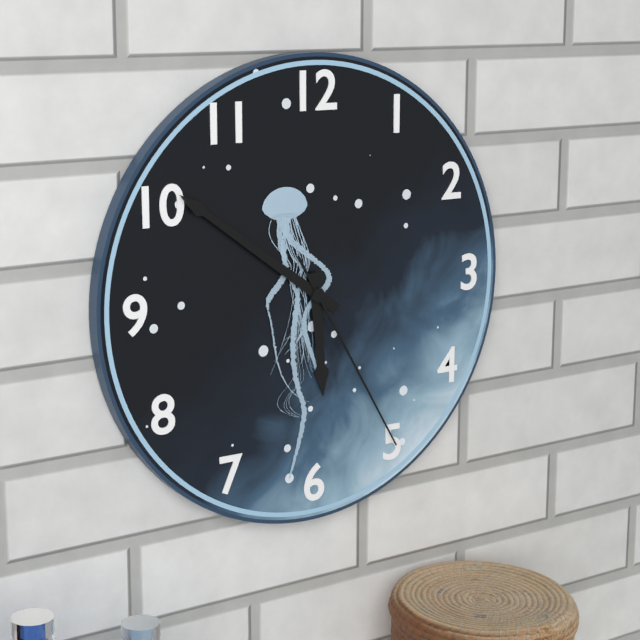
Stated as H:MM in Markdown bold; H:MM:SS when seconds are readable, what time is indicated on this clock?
**5:51:25**
